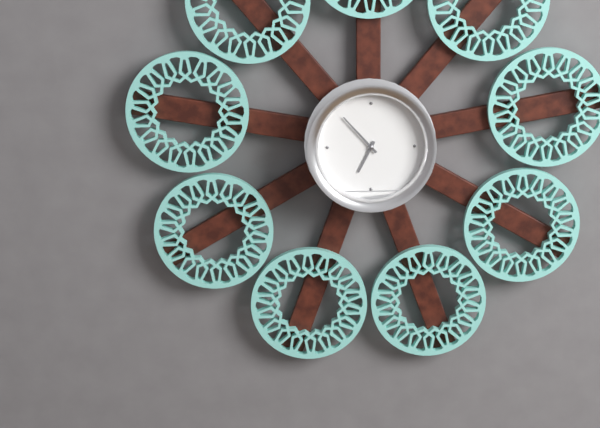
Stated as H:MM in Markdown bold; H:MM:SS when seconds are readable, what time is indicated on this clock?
**6:53**
